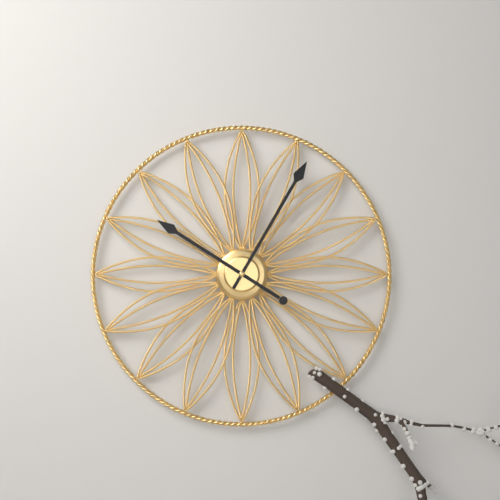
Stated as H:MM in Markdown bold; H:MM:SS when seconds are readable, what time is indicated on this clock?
**10:05**
